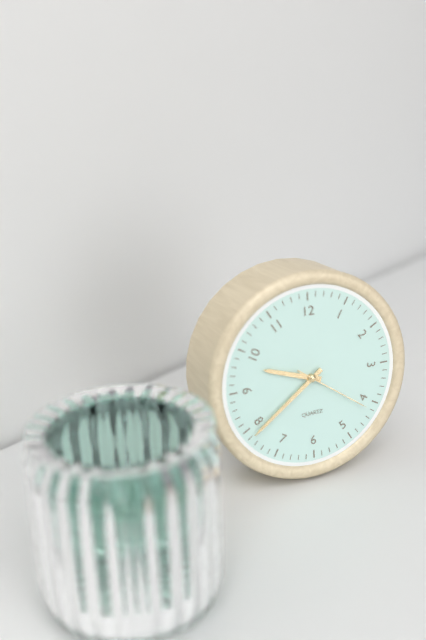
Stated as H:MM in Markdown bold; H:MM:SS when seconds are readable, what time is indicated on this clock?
**9:39:21**
